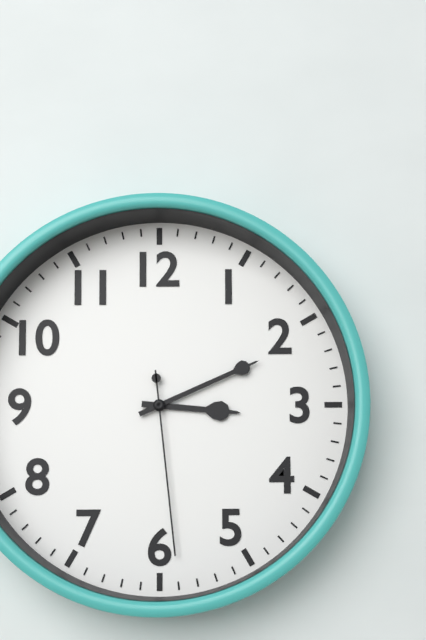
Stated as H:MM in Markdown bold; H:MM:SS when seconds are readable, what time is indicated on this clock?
**3:11:29**
